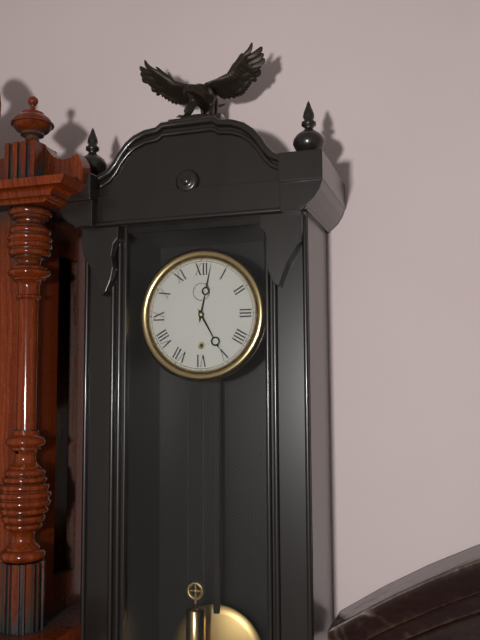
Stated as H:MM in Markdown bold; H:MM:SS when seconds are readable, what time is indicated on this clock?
**5:02**
